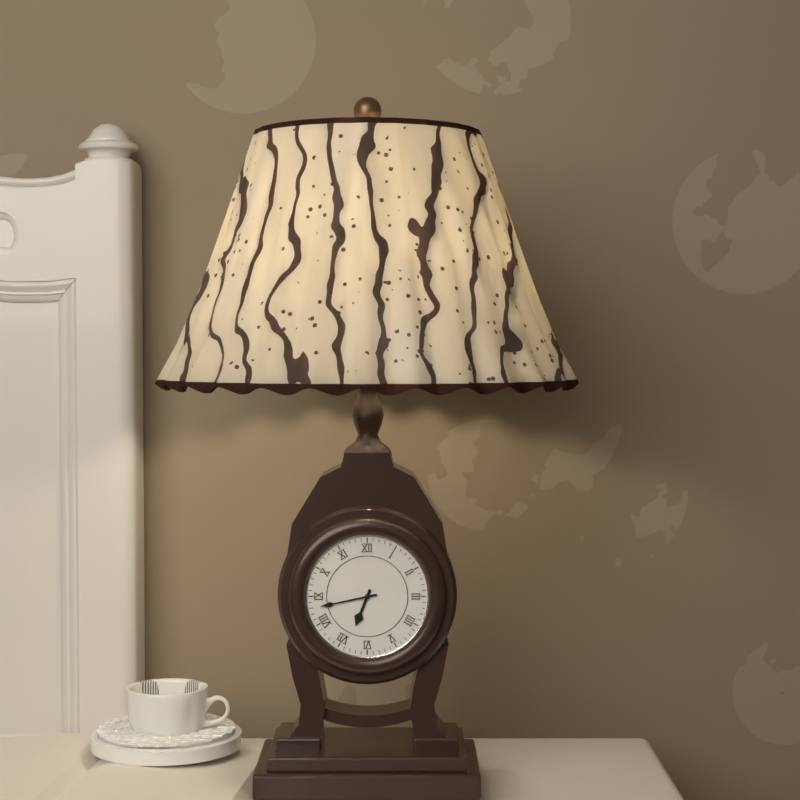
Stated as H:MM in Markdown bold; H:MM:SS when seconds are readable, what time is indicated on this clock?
**6:43**
